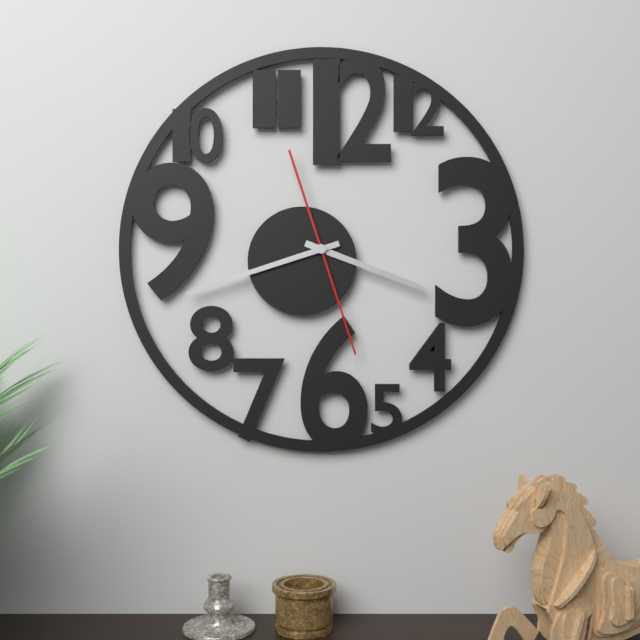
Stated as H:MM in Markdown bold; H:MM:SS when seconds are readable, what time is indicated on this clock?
**3:42:27**
